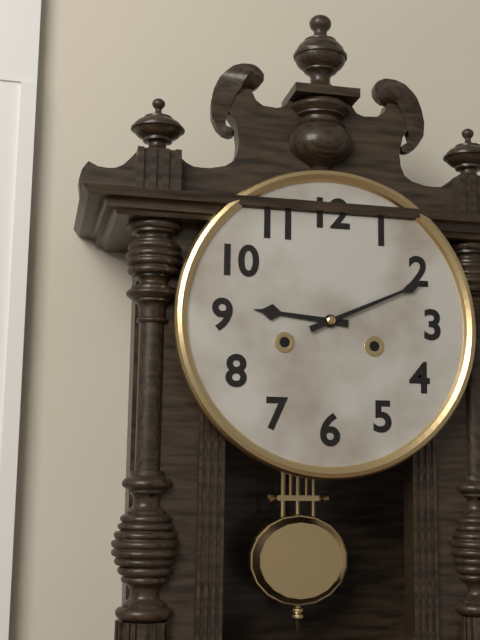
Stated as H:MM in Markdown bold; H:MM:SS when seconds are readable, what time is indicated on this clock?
**9:11**
